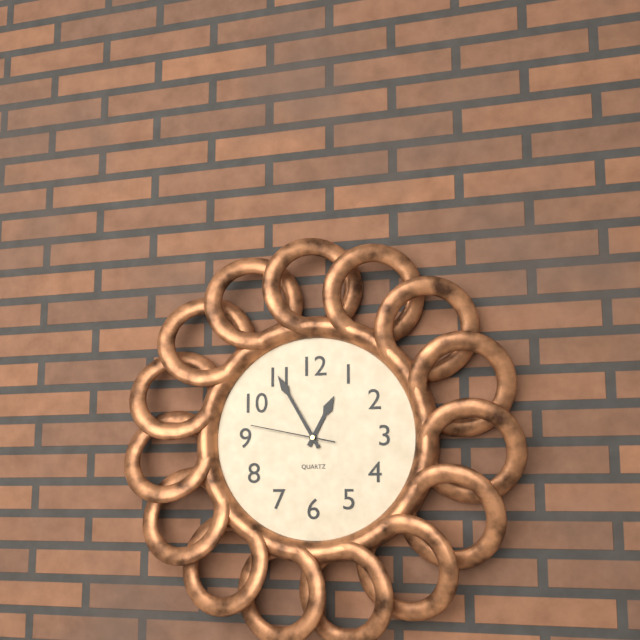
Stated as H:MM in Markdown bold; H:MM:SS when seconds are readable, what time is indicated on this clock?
**12:55:47**
